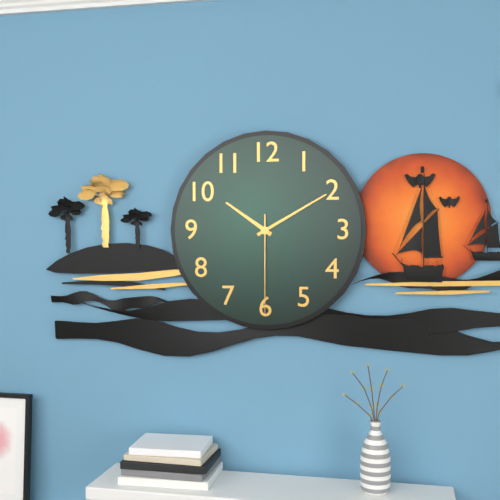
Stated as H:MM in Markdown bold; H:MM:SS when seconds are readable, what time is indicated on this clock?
**10:10:30**
